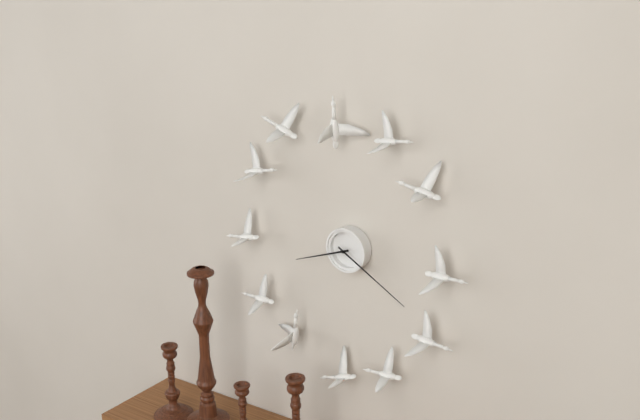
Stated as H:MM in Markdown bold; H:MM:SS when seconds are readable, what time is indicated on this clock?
**8:20**
